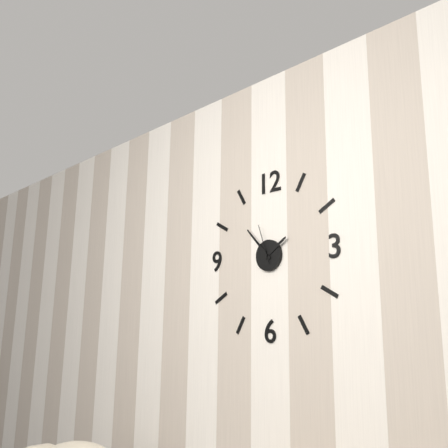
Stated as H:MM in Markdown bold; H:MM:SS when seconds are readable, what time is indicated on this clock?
**1:53**
